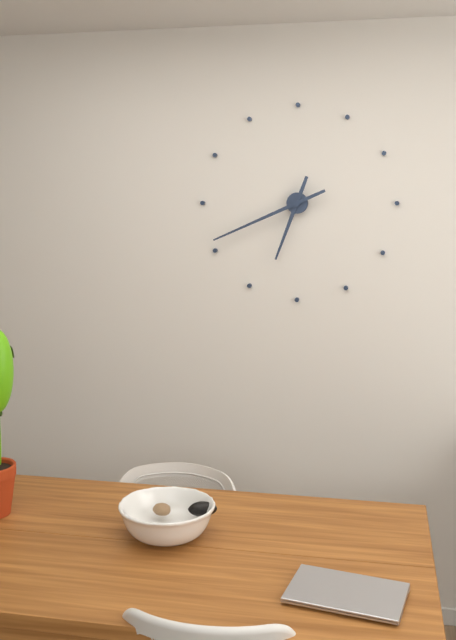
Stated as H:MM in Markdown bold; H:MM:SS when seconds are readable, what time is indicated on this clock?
**6:41**
